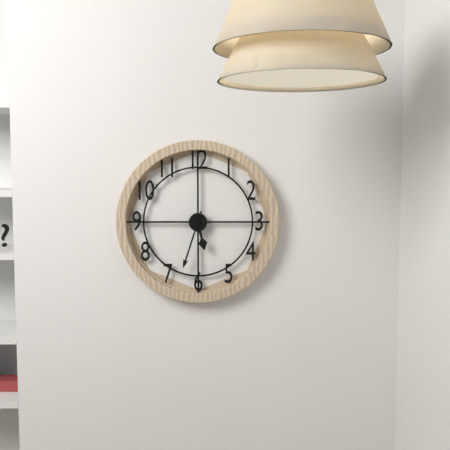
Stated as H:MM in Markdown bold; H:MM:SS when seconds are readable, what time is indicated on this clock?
**5:33**
